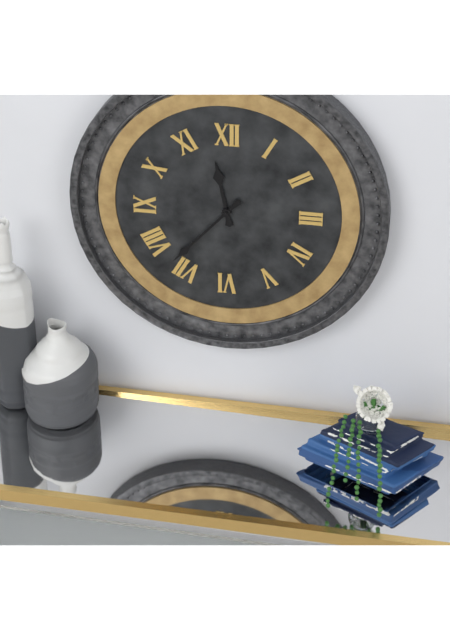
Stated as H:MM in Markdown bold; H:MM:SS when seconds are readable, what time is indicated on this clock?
**11:37**
